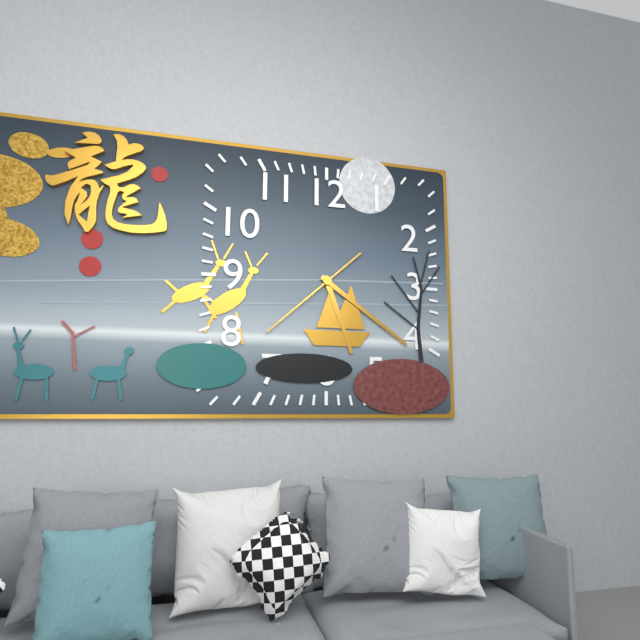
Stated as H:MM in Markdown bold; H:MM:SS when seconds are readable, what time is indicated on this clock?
**5:21:38**
